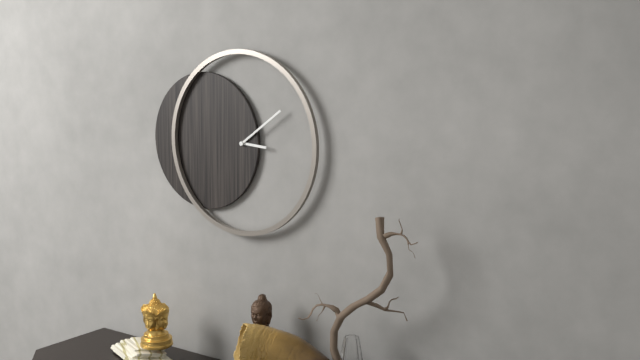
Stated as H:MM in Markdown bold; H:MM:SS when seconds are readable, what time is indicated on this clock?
**3:09**
